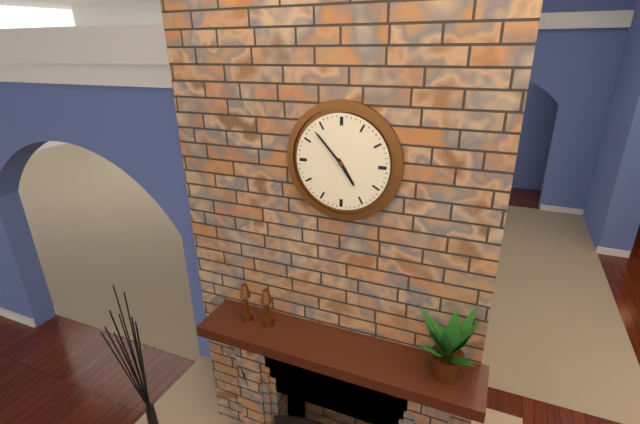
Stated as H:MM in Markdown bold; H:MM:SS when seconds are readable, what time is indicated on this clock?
**4:53**
